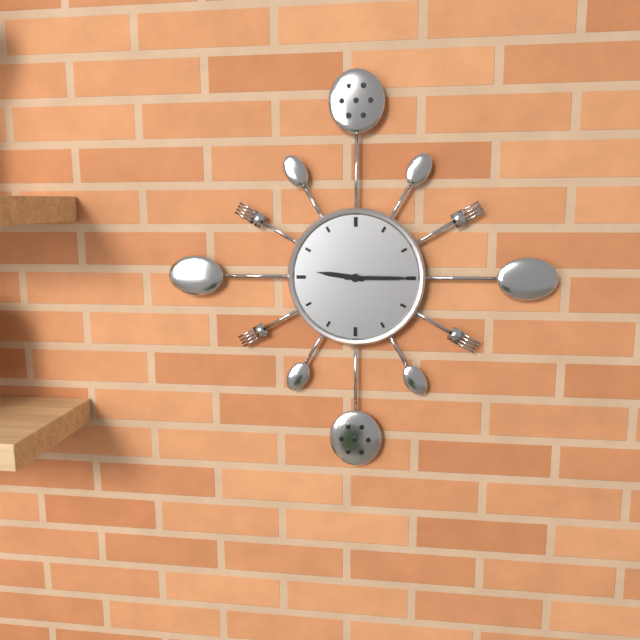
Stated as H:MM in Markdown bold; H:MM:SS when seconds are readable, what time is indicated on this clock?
**9:15**
